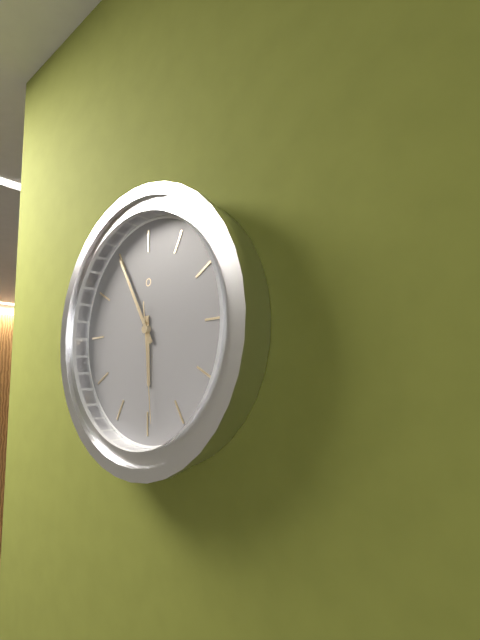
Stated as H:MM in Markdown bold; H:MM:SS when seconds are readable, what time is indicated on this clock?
**5:55:29**
